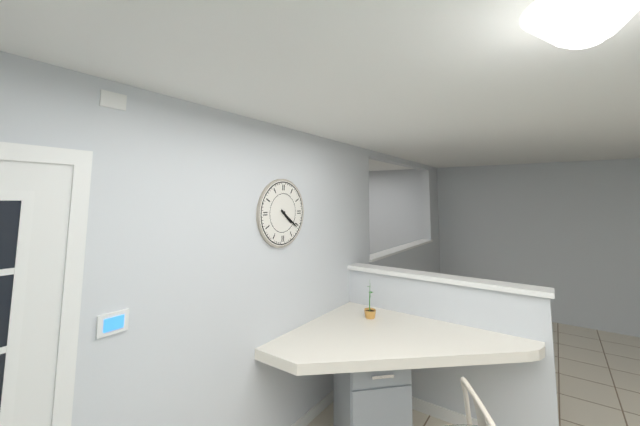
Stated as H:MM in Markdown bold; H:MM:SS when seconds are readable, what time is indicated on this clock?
**4:21**
